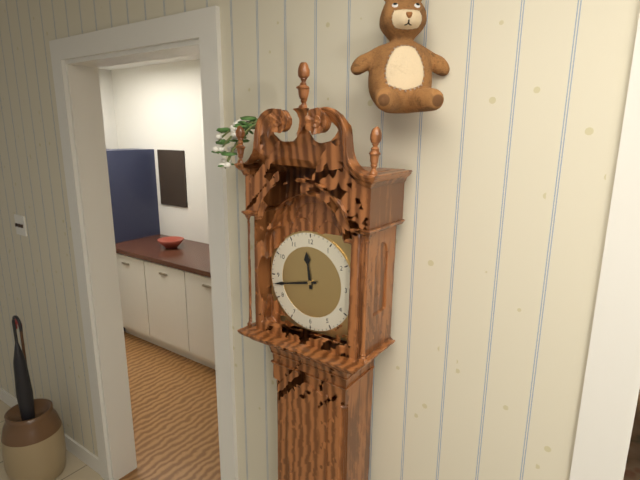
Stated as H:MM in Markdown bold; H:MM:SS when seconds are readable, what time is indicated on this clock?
**11:43**
